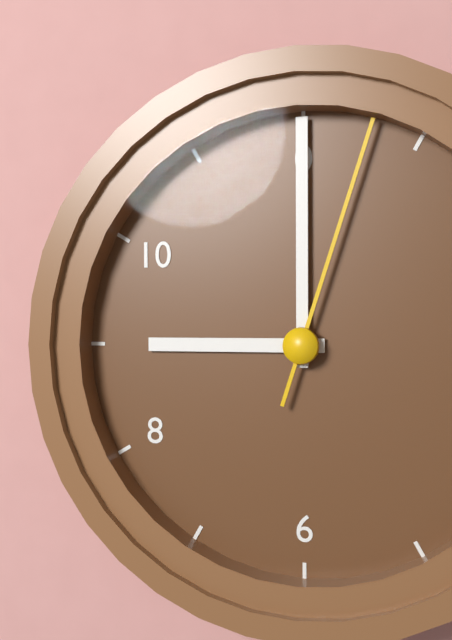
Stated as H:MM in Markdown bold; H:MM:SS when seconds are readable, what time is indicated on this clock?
**9:00:03**
